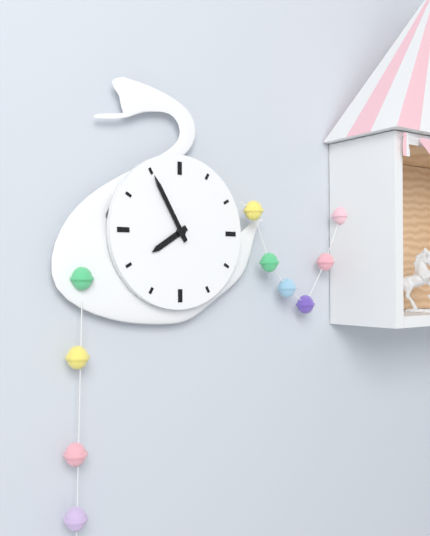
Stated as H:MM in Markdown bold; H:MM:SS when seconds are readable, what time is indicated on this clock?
**7:55**
